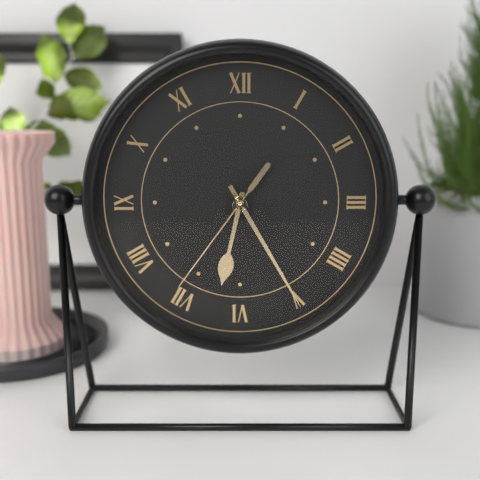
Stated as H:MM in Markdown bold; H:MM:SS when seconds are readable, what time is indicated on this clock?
**6:25:36**
